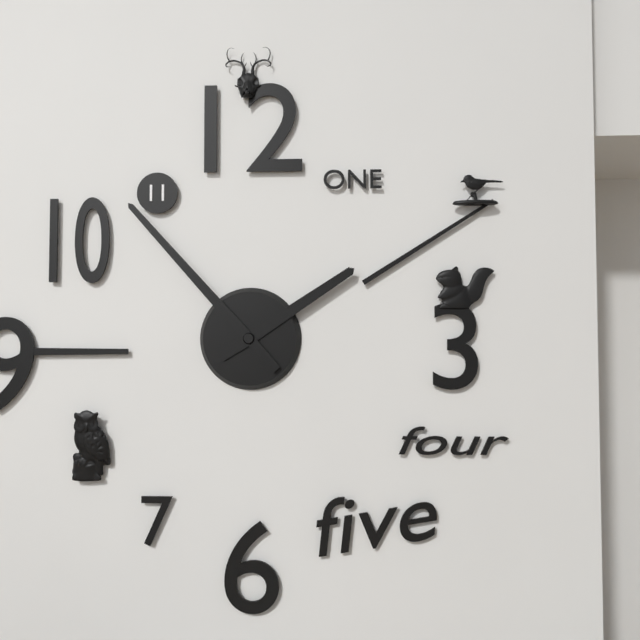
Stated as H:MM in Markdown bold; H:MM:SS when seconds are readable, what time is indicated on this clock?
**1:53**
